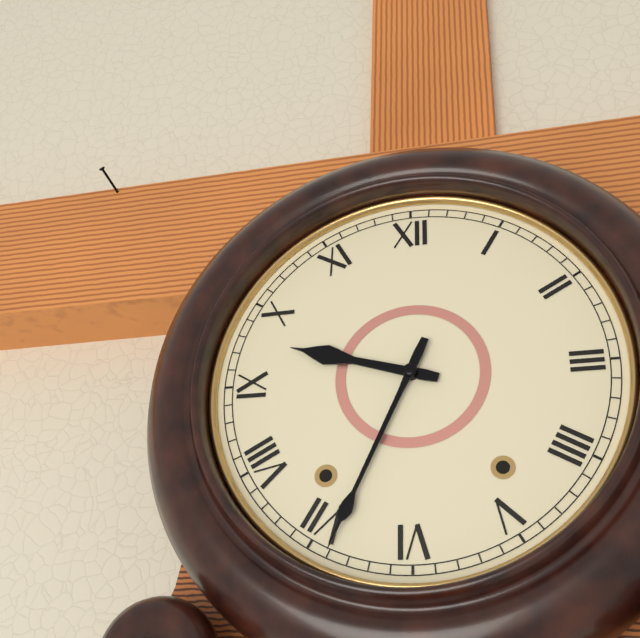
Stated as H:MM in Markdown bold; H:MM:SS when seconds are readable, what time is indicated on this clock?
**9:34**
